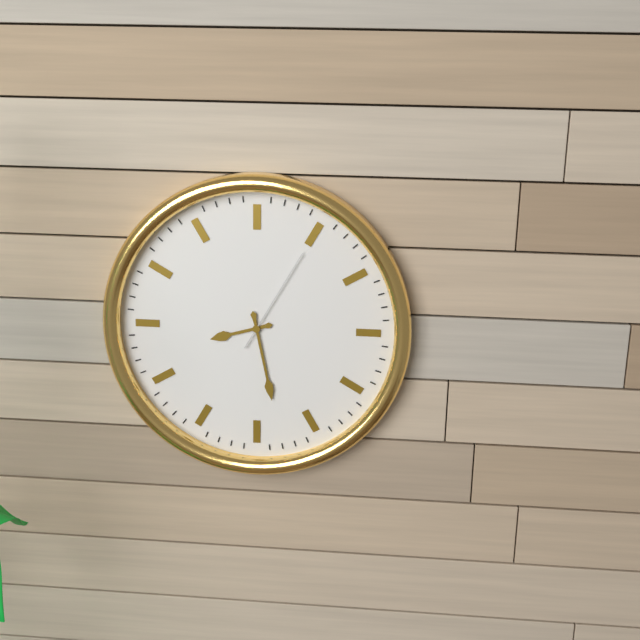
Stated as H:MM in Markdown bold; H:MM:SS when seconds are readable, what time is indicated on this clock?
**8:28:05**
